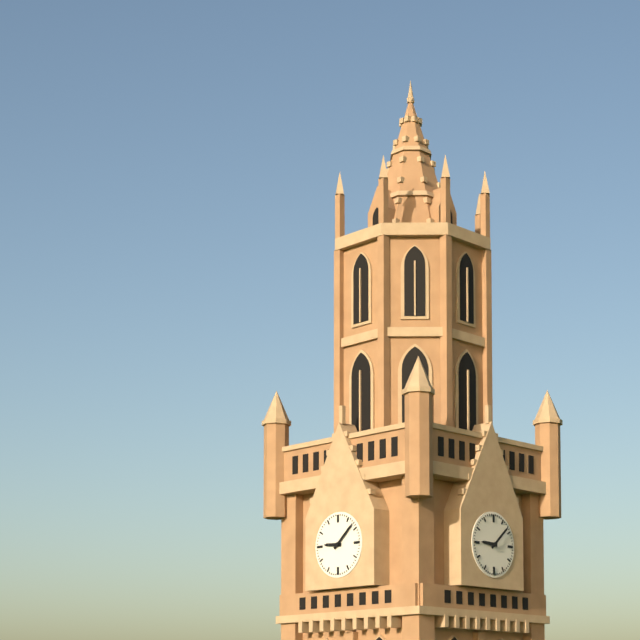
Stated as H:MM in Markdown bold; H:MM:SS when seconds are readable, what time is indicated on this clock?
**9:08**
